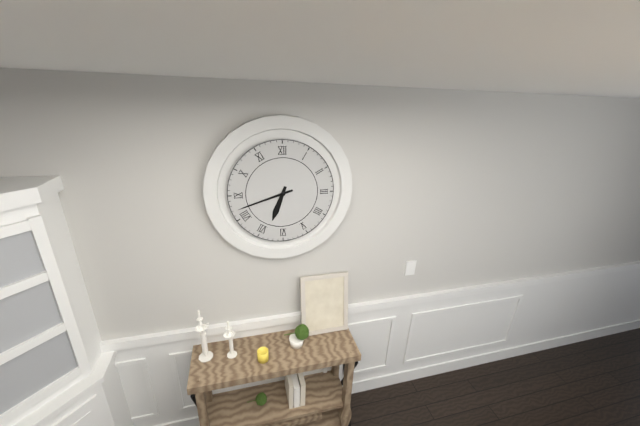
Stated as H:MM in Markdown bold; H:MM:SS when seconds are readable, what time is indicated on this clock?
**6:42**
